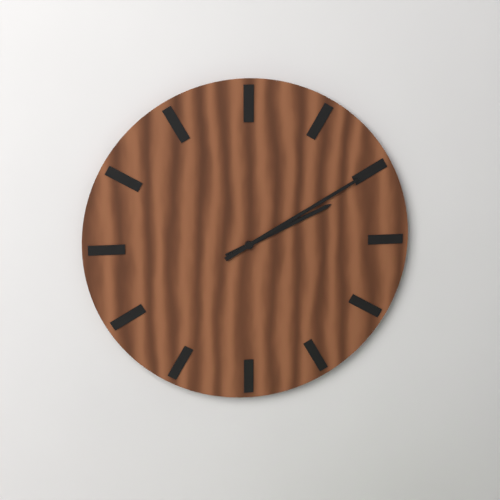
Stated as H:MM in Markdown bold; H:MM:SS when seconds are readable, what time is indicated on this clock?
**2:10**
